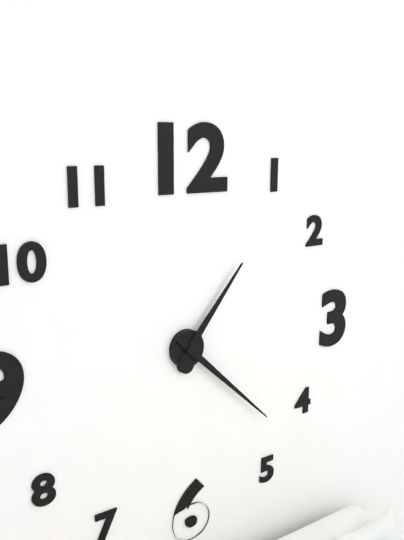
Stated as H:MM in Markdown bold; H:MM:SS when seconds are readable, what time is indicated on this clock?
**1:22**
